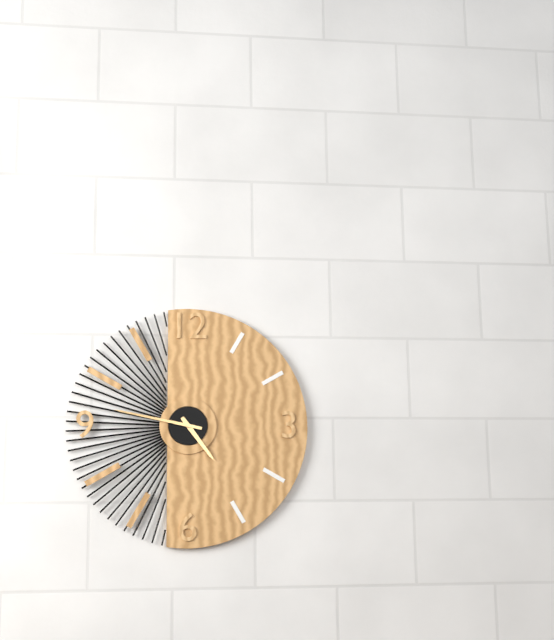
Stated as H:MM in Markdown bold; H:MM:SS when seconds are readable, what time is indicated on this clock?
**4:47**
